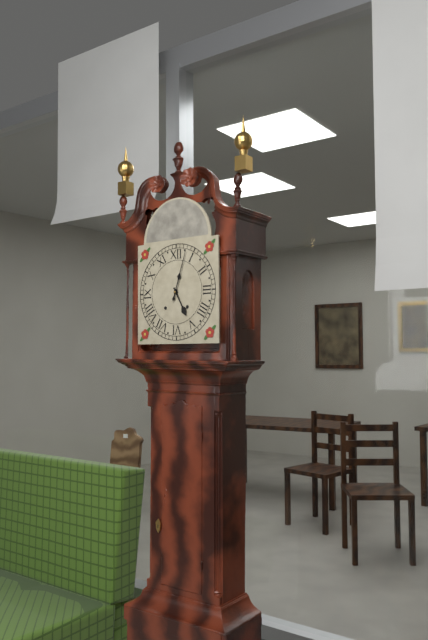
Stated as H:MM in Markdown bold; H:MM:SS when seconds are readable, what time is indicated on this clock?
**5:03**
